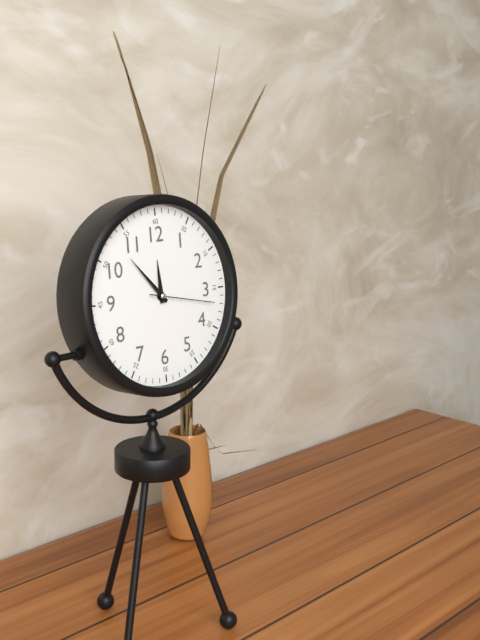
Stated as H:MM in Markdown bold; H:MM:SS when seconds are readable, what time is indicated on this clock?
**11:53:17**
